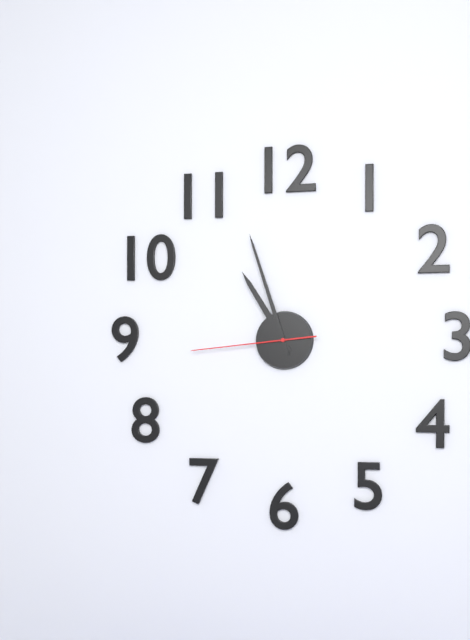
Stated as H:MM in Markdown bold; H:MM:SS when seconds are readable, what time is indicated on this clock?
**10:57:44**
